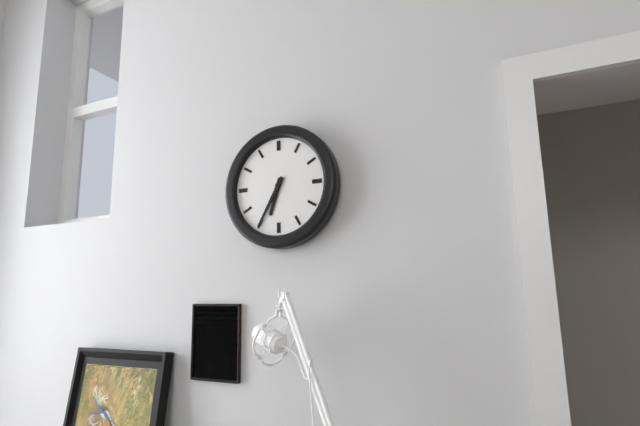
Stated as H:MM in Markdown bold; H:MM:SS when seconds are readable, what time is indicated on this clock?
**6:35**
